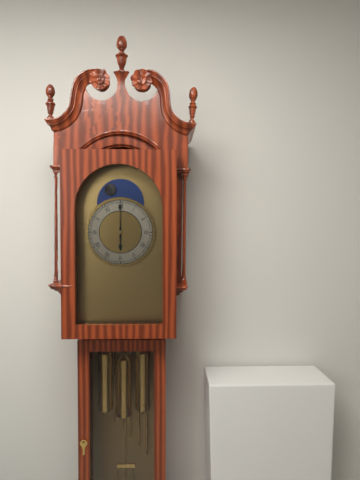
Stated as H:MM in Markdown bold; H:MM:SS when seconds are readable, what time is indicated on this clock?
**6:00**
